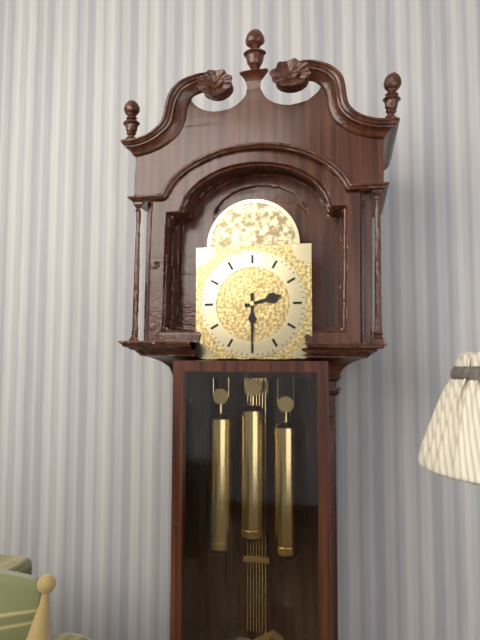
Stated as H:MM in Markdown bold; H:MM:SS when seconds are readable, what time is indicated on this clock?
**2:30**
